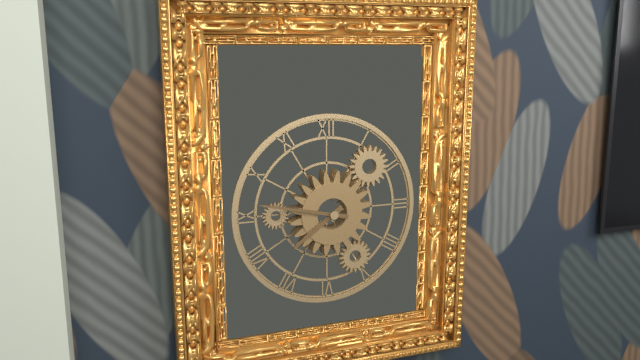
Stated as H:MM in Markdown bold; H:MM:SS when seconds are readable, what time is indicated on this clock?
**7:47**
